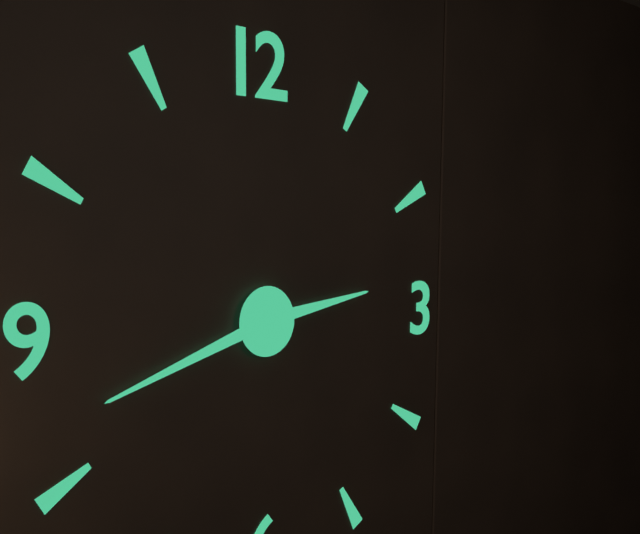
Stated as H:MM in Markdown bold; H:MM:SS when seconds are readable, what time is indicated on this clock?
**2:42**
